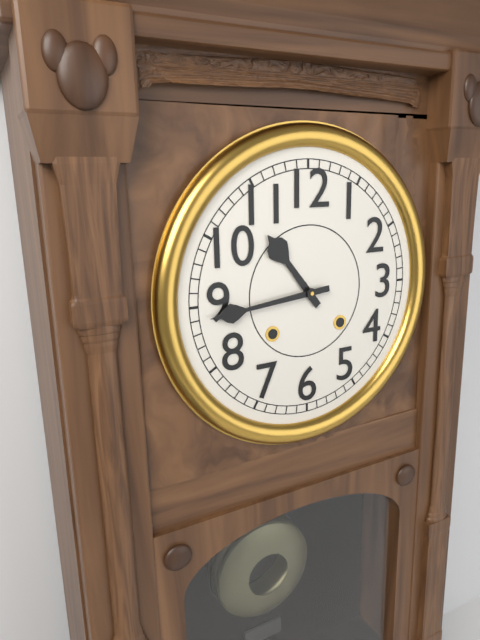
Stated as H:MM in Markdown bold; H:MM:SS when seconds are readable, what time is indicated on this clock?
**10:44**
